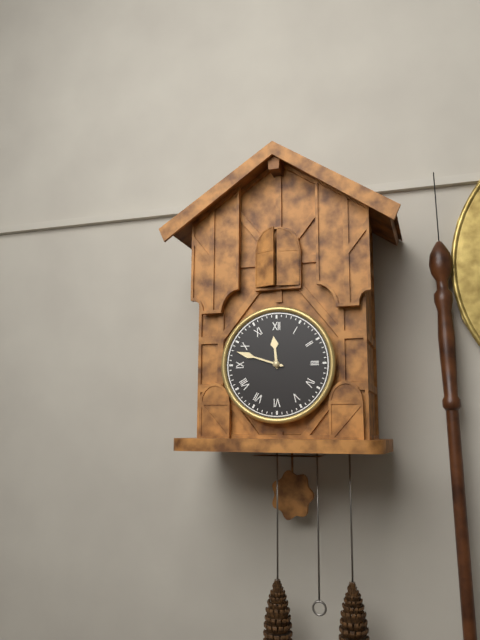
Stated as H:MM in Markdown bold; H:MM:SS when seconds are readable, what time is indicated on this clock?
**11:48**
